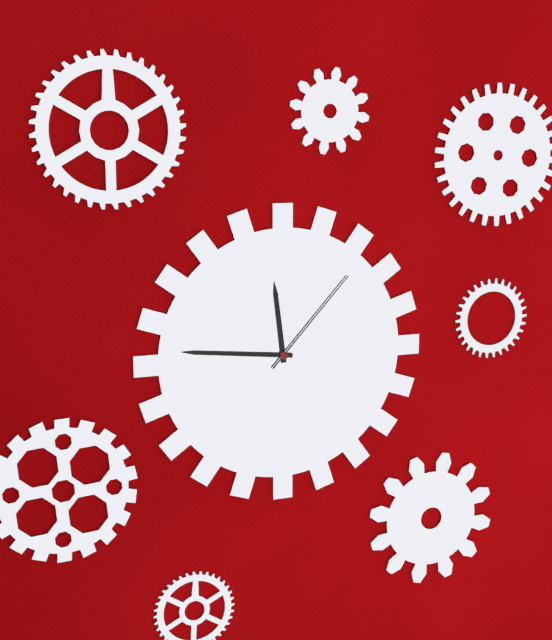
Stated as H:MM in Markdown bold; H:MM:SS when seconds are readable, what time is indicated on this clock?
**11:46:07**
